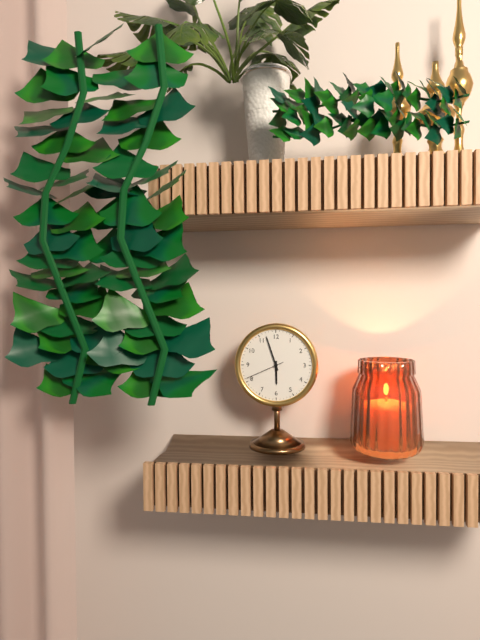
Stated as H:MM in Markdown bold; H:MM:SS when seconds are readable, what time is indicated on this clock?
**5:57**
